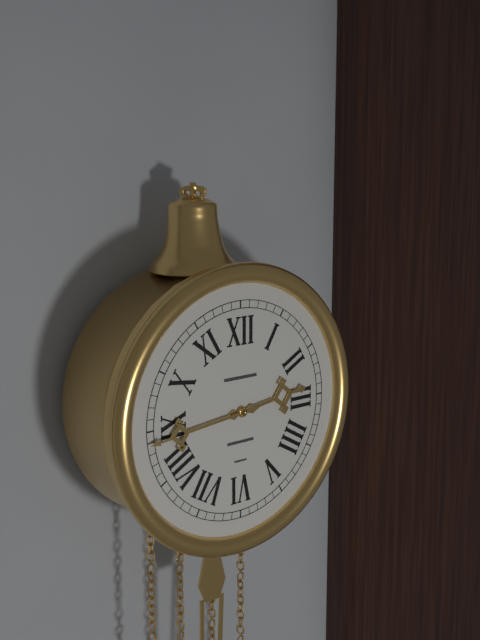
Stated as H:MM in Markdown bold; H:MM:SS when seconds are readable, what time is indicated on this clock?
**2:44**
